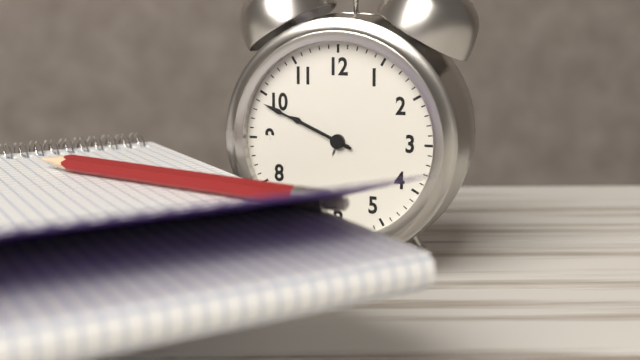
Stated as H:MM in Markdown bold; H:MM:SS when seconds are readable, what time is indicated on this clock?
**9:49**
